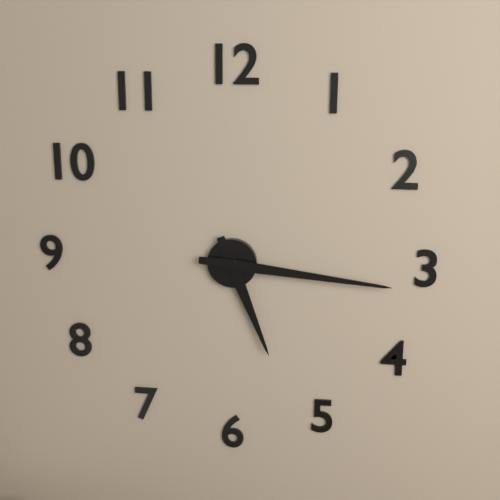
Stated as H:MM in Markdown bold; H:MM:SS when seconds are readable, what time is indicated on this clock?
**5:16**
